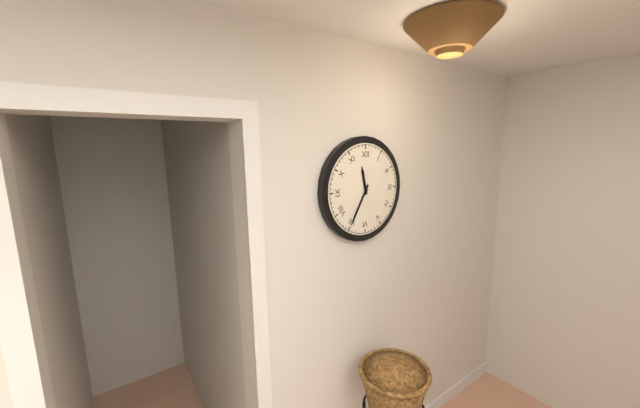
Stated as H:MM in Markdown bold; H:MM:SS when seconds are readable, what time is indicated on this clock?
**11:35**
